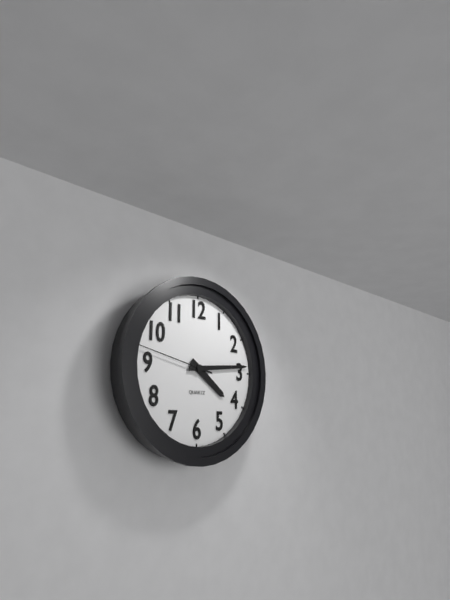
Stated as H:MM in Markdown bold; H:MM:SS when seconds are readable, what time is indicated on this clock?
**4:14:47**
